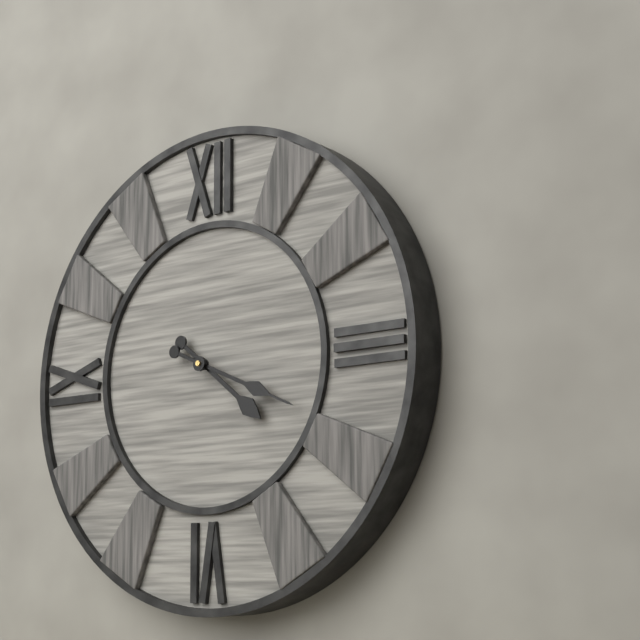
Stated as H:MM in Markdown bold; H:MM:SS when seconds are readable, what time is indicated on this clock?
**4:19**
